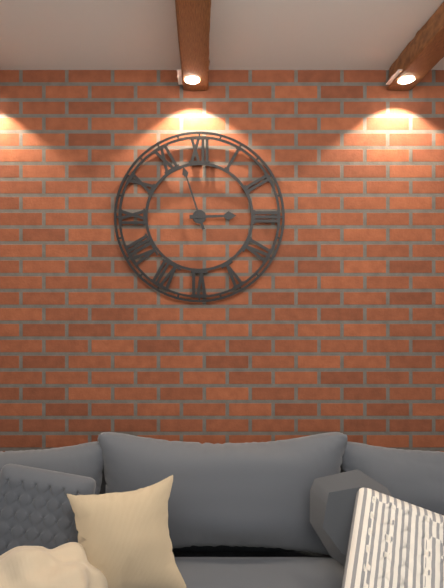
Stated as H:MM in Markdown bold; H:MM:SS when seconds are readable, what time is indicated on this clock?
**2:57**
